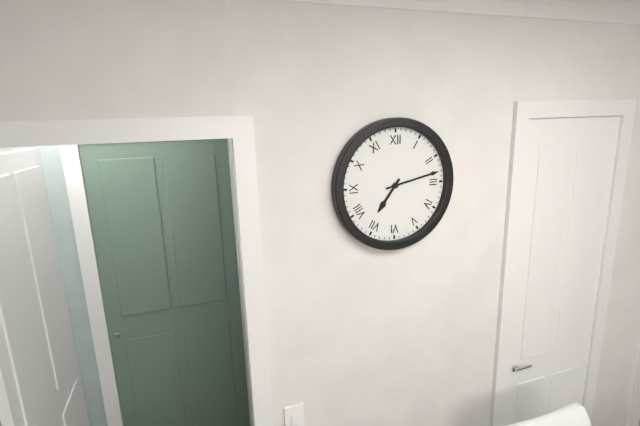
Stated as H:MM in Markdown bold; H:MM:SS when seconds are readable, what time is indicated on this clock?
**7:13**
